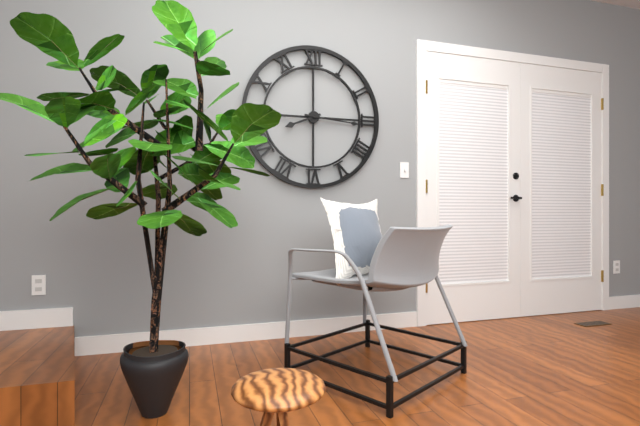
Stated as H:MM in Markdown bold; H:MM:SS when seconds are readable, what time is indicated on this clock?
**8:16**
